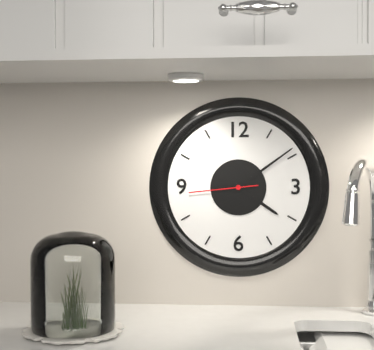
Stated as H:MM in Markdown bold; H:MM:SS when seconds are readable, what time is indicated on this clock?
**4:09:44**
